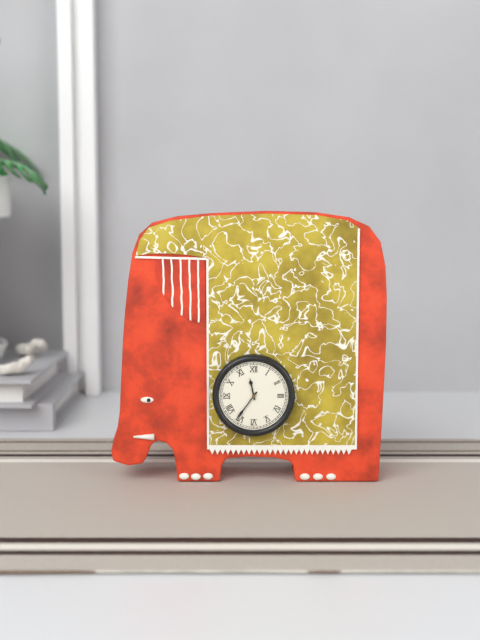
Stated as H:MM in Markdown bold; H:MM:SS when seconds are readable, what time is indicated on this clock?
**11:36**
